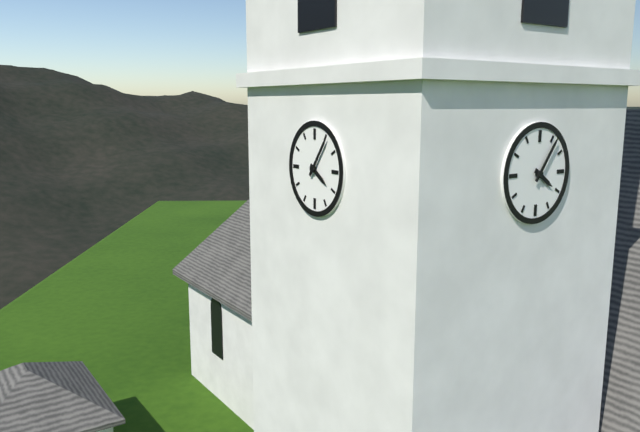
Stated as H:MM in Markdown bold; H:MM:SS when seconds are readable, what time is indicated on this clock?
**4:06**
